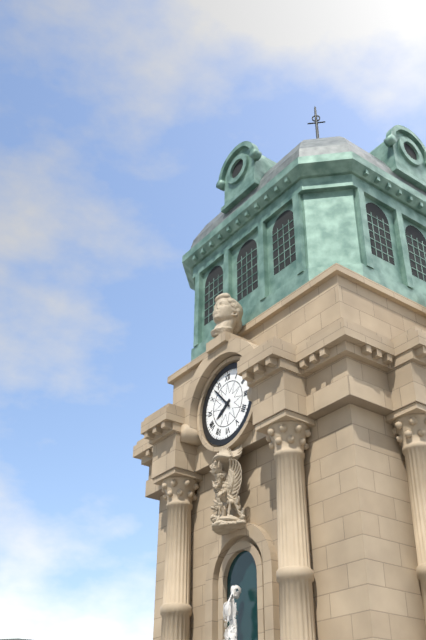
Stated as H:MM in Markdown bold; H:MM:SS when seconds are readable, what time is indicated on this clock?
**7:53**
